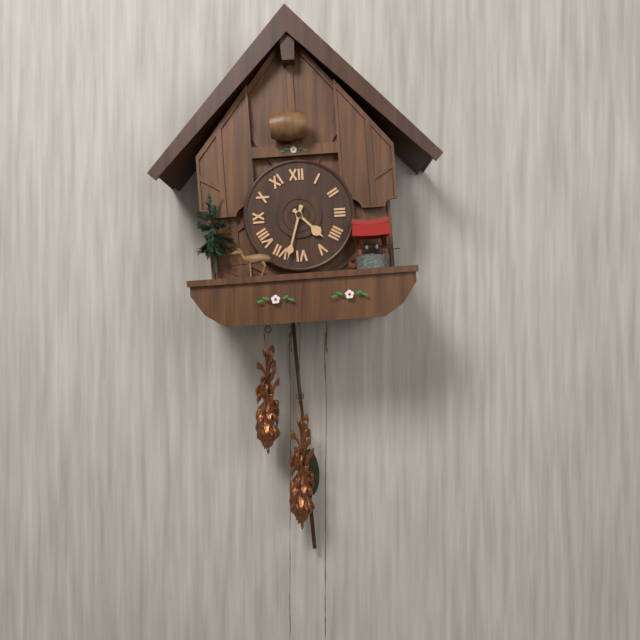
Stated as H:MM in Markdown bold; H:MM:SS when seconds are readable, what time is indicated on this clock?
**4:33**
